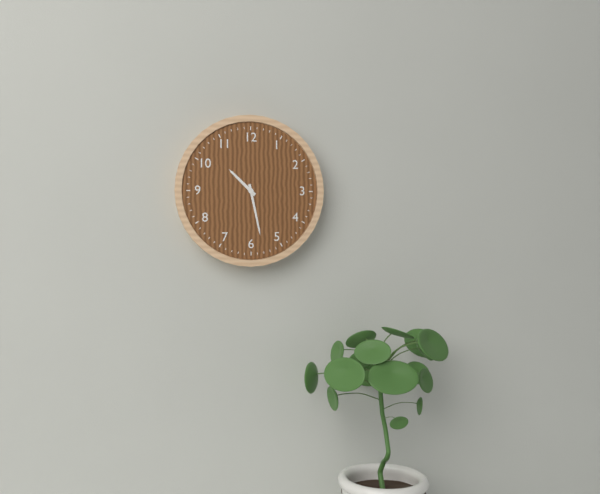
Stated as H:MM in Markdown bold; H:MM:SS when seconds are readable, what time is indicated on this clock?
**10:28**
